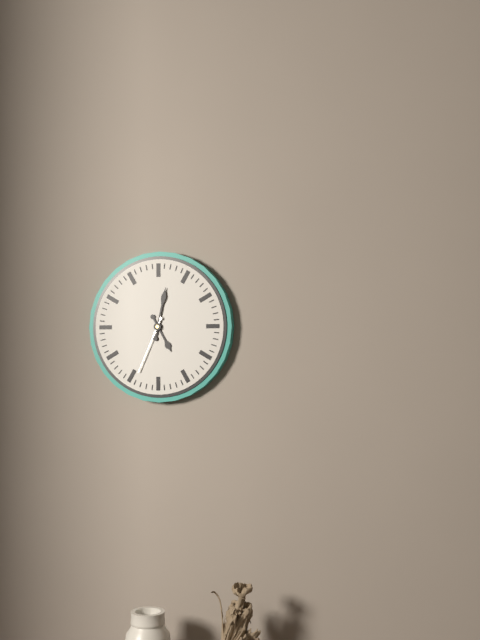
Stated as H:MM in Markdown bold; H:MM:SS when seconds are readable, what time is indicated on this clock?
**5:02:34**
